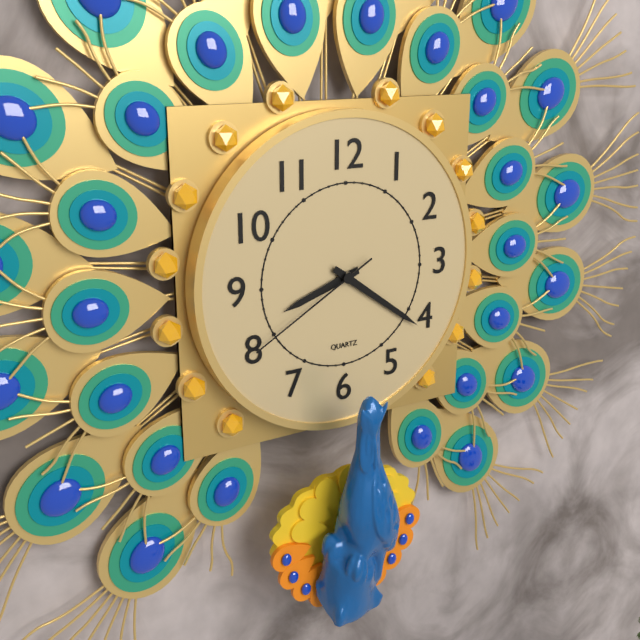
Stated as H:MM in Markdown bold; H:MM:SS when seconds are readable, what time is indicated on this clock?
**8:21:40**
